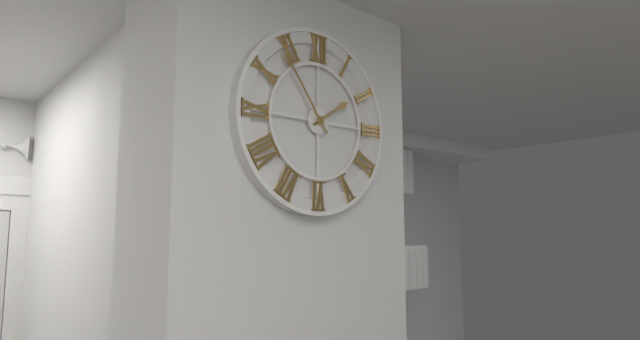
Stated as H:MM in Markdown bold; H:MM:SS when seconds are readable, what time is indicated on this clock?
**1:54**
